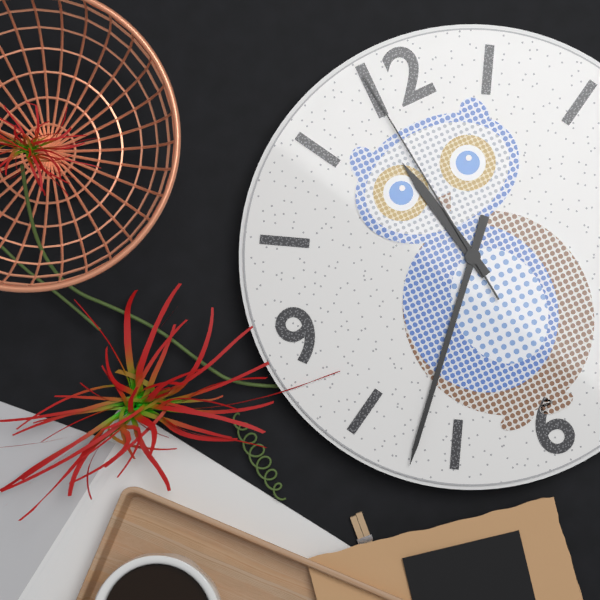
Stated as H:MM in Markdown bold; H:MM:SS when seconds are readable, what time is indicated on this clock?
**11:37:59**
